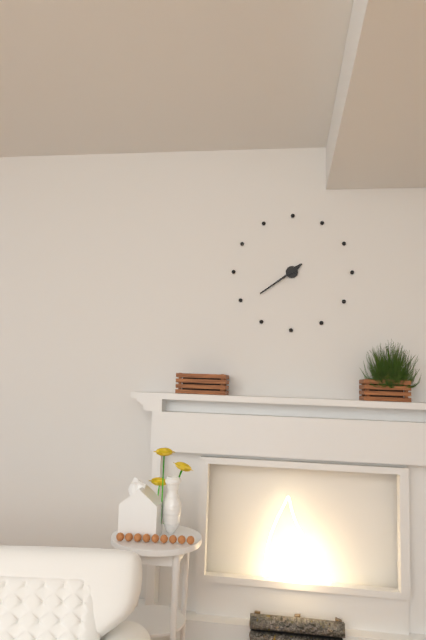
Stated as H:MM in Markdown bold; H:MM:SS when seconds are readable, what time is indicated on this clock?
**1:39**
